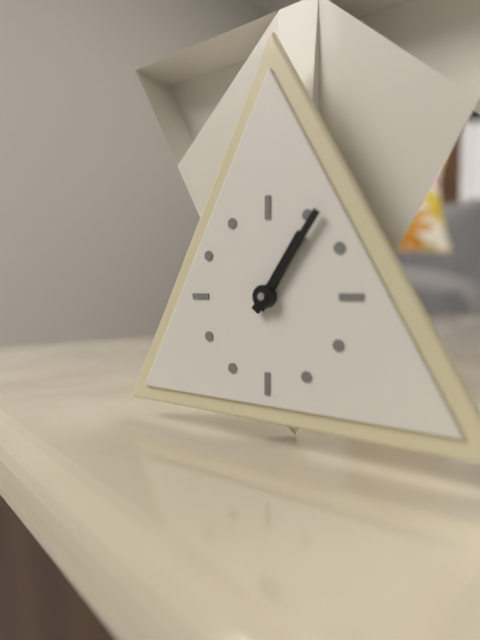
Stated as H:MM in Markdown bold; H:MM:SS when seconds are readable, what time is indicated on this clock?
**1:06**
